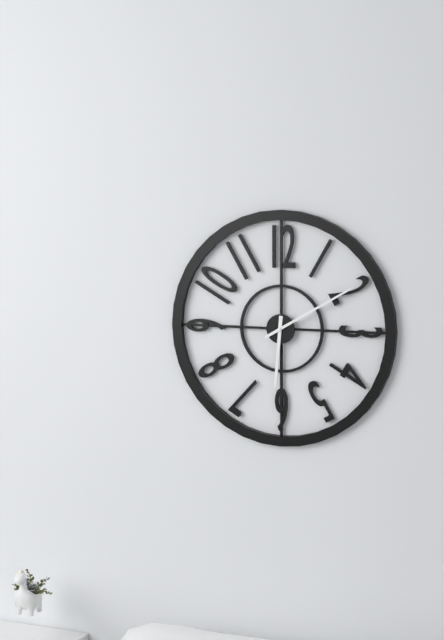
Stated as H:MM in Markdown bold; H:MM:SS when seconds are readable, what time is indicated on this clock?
**6:10**
